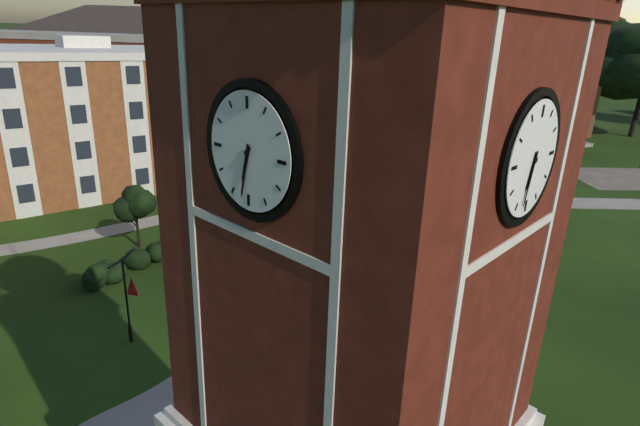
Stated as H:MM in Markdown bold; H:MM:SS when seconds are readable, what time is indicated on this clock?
**6:32**
